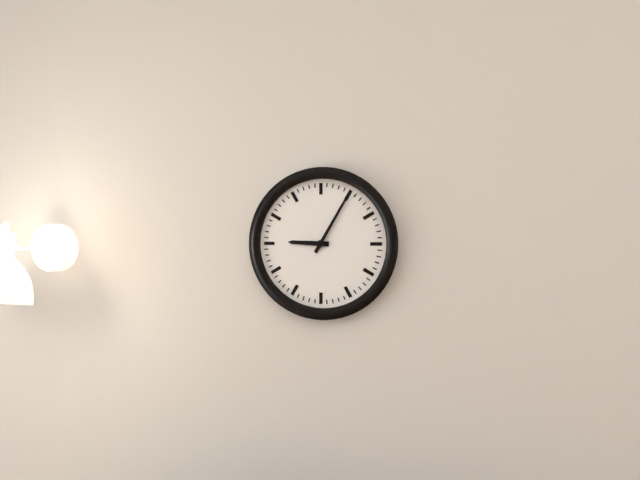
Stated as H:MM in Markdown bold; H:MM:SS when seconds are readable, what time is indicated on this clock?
**9:05**
